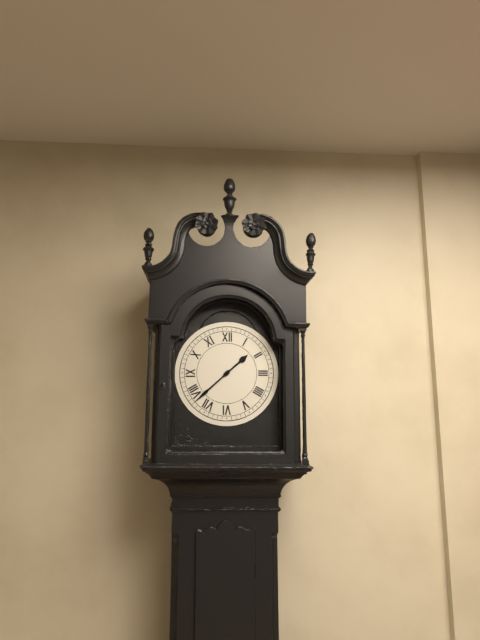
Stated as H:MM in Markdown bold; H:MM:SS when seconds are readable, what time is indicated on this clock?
**1:38**
